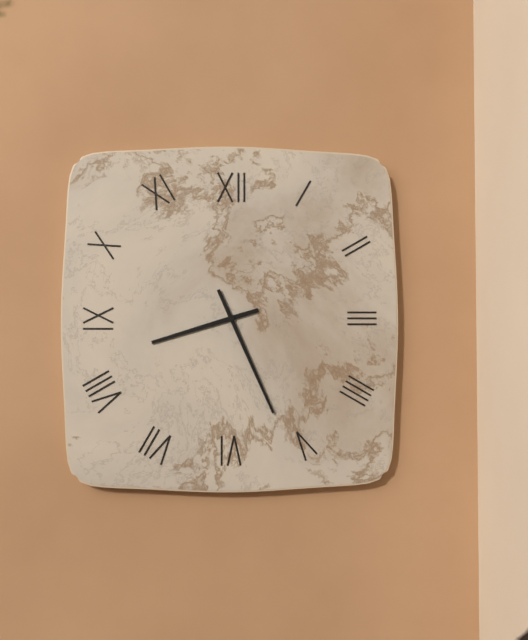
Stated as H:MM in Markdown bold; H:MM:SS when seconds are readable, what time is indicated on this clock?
**8:26**
